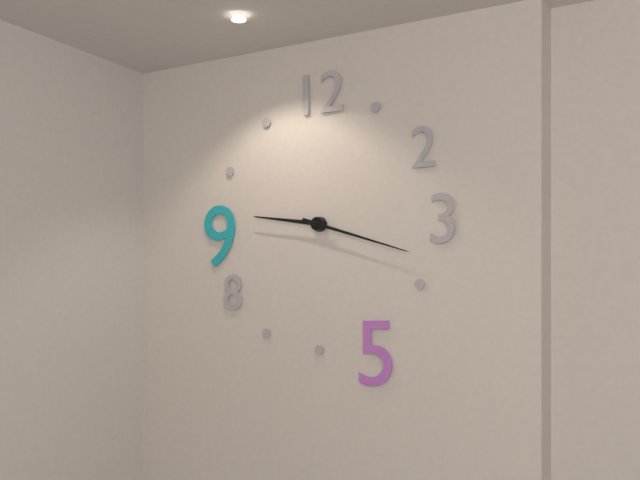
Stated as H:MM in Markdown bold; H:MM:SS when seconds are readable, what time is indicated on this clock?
**9:18**
